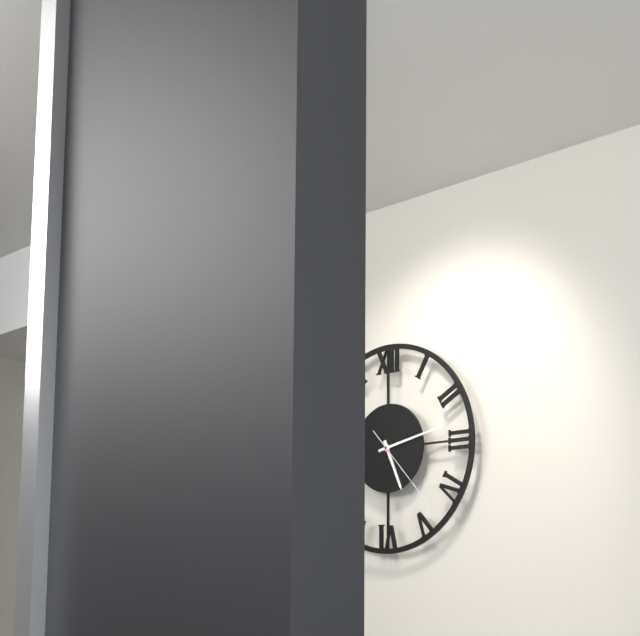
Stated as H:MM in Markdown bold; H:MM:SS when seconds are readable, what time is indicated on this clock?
**5:13:23**
